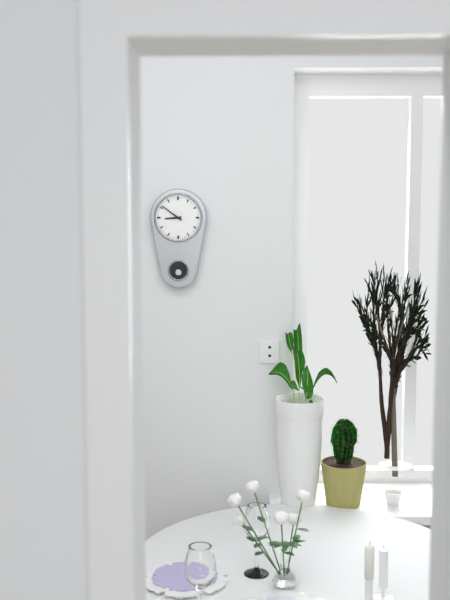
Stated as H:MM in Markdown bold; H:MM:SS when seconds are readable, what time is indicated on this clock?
**8:51**
